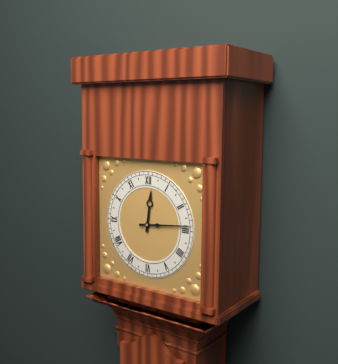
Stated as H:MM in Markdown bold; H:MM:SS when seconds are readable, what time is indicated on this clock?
**12:14**
